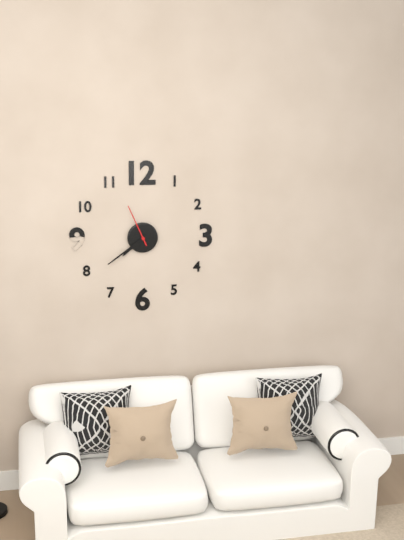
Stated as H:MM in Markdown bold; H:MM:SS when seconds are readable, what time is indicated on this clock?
**7:39**
